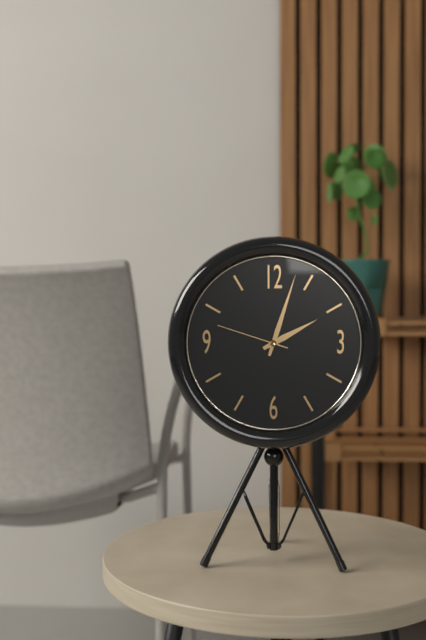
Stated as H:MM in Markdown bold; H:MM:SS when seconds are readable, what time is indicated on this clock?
**2:03:48**
